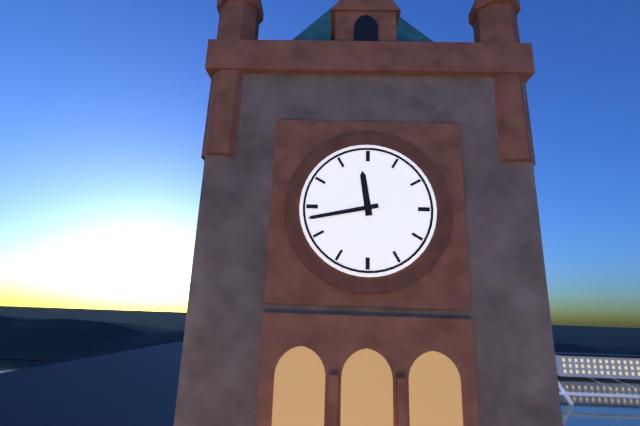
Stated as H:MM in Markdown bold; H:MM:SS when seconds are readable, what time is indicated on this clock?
**11:43**
